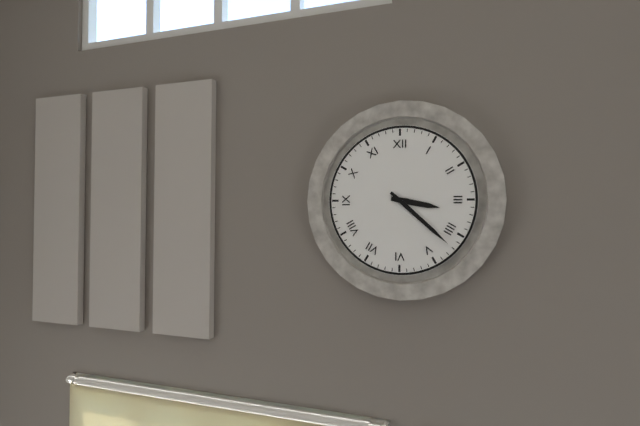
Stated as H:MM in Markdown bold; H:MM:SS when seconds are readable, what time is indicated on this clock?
**3:22**
